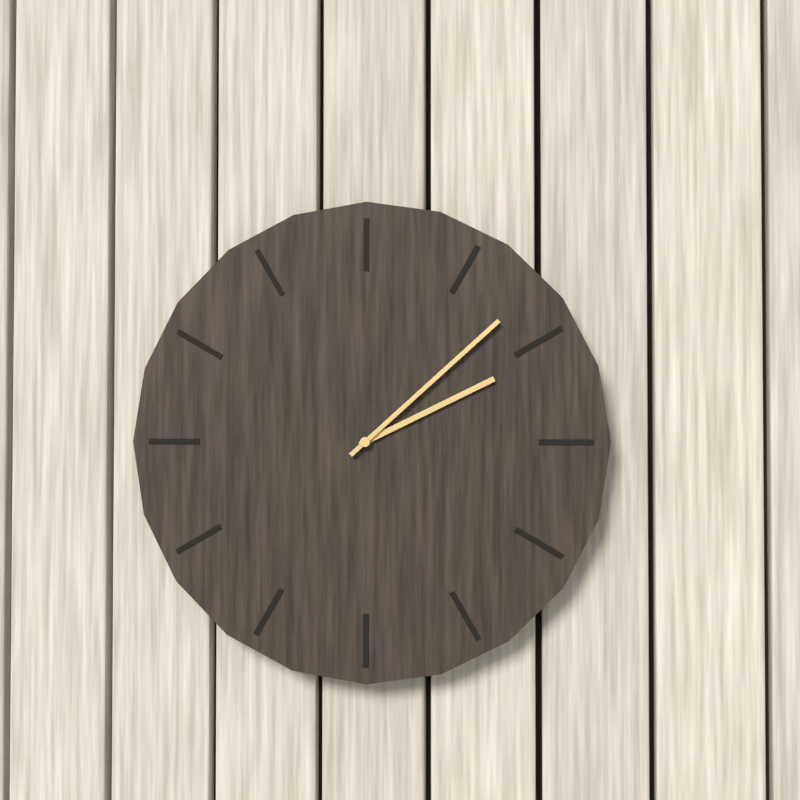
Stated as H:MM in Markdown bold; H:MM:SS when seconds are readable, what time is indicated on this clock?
**2:08**
